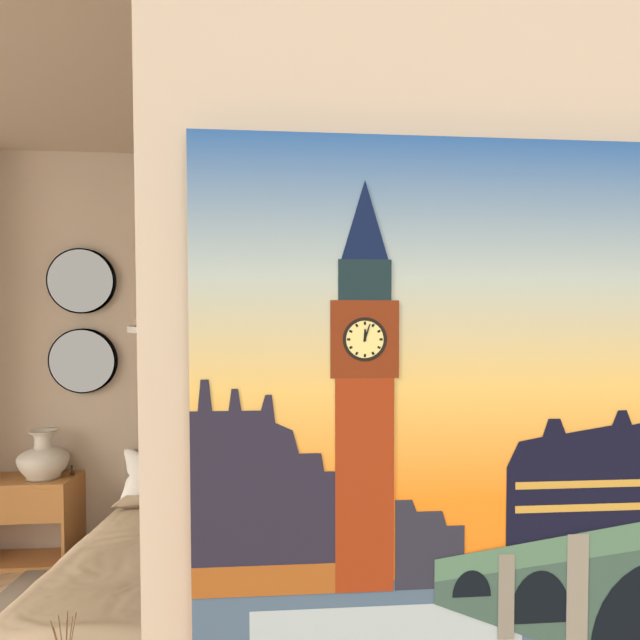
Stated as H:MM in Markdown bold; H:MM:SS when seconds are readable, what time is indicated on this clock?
**12:03**
